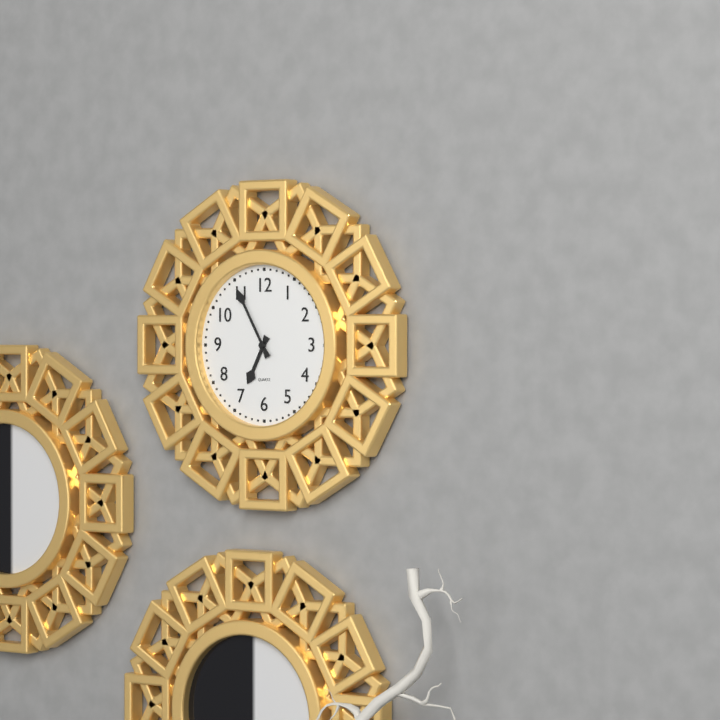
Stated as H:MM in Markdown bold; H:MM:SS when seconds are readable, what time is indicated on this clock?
**6:55**
